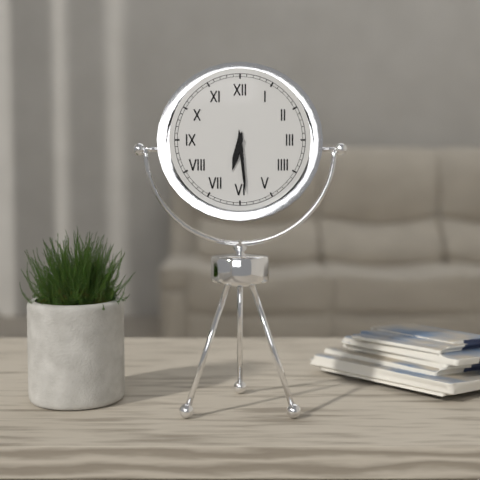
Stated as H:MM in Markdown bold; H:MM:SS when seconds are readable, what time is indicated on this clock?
**6:29**
